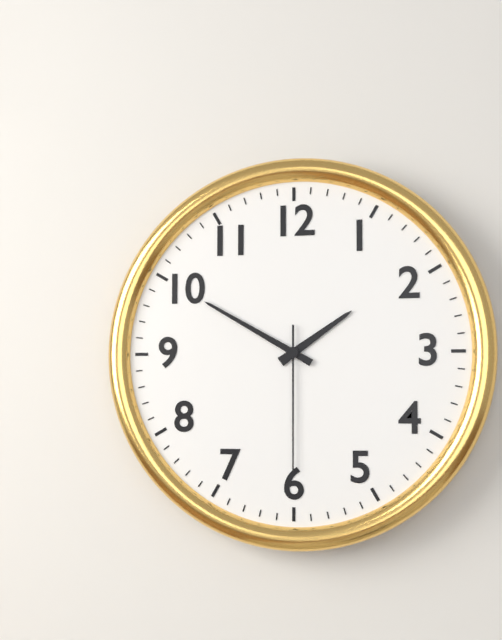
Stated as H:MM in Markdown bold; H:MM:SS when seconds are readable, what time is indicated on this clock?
**1:50:30**
